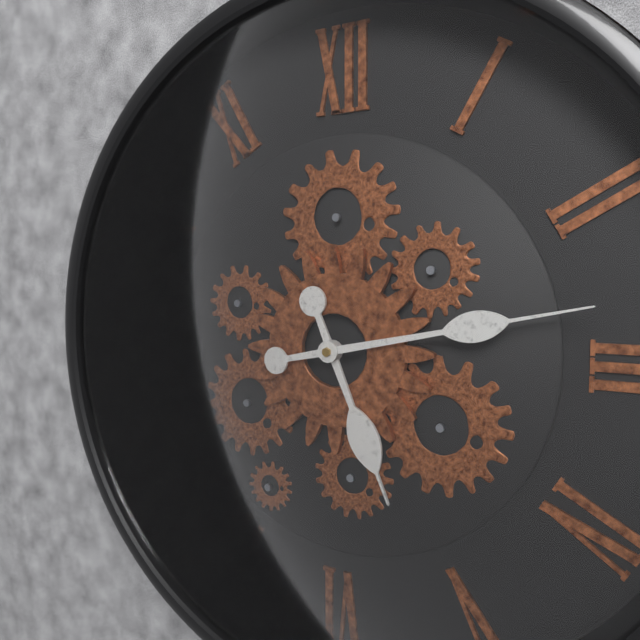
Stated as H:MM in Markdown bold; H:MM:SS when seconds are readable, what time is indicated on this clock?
**5:13**
